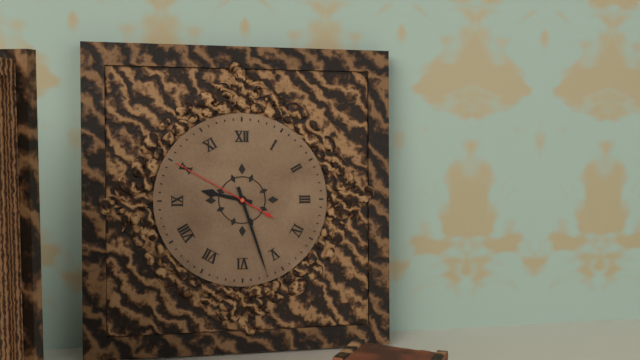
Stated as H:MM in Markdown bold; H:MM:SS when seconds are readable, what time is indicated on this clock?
**9:27:50**
